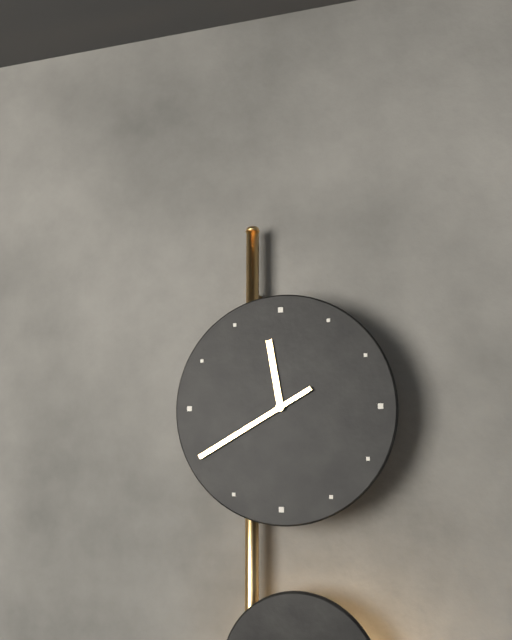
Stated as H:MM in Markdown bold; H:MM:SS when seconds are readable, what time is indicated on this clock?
**11:40**
